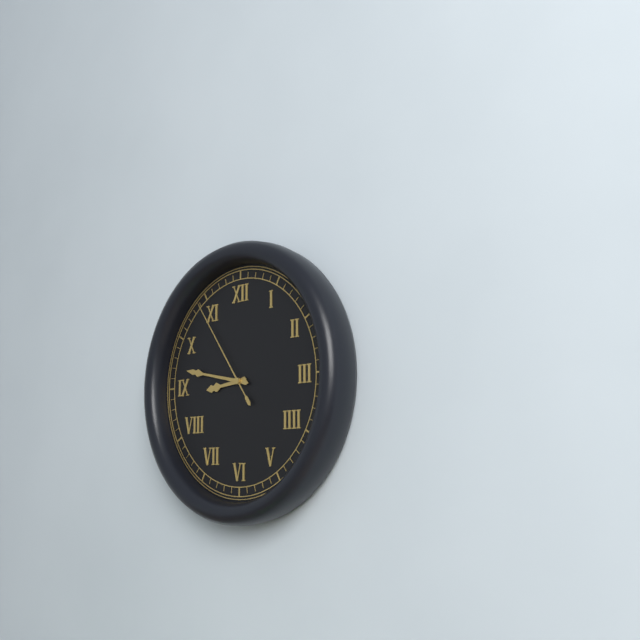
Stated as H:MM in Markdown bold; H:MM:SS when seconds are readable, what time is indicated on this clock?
**8:47:54**
